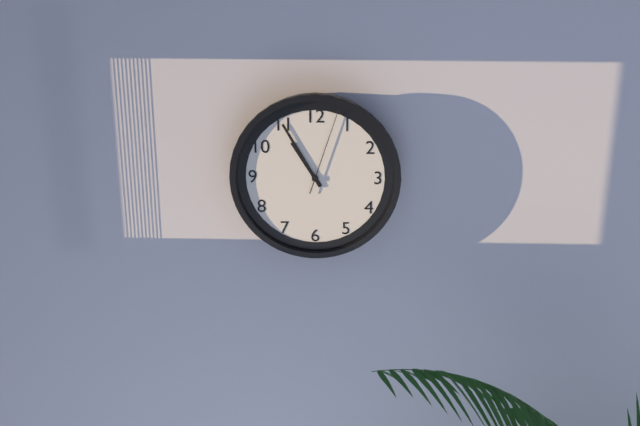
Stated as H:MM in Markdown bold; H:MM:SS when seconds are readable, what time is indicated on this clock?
**10:55:03**
